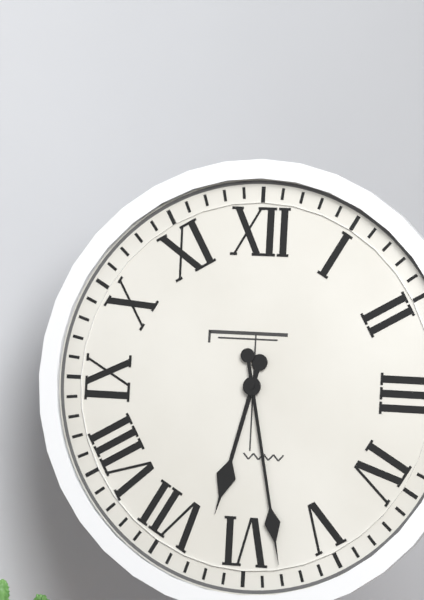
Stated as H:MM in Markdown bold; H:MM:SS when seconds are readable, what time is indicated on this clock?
**6:28**
